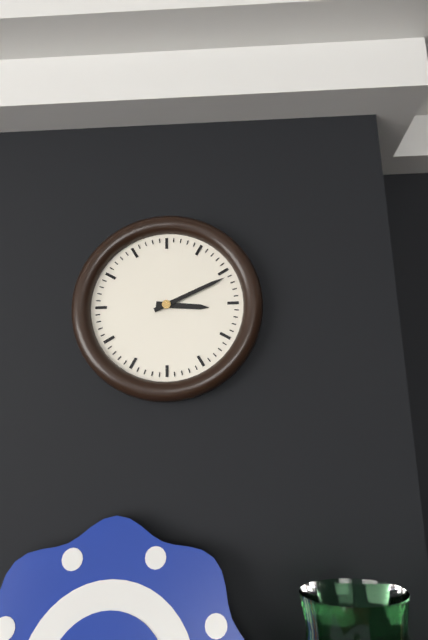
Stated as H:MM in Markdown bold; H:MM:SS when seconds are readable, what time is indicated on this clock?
**3:11**
